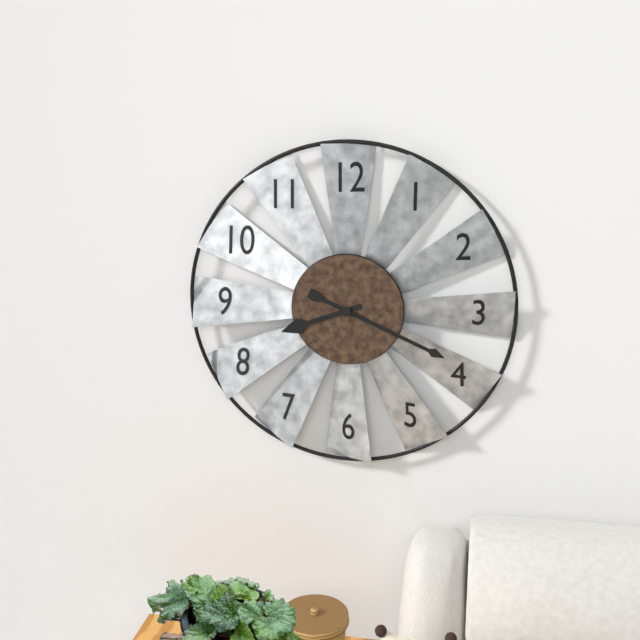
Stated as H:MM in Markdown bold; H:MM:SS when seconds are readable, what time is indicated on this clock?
**8:19**
